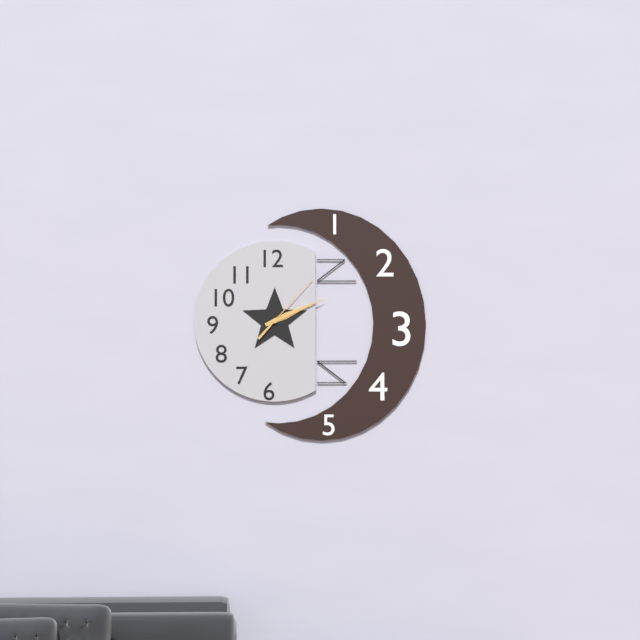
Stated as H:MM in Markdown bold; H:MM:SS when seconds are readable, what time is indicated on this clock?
**2:11:07**
